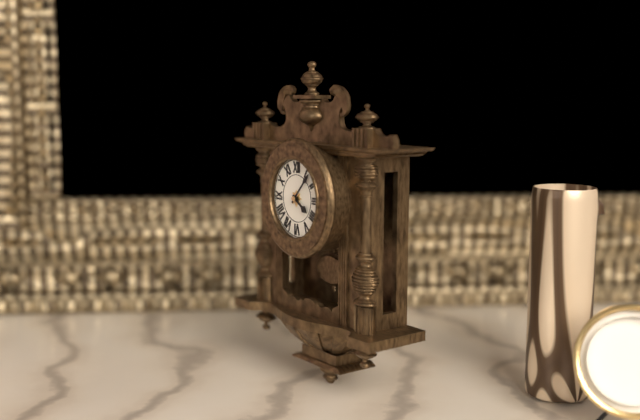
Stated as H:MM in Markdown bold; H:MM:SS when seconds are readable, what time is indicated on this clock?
**4:07**
